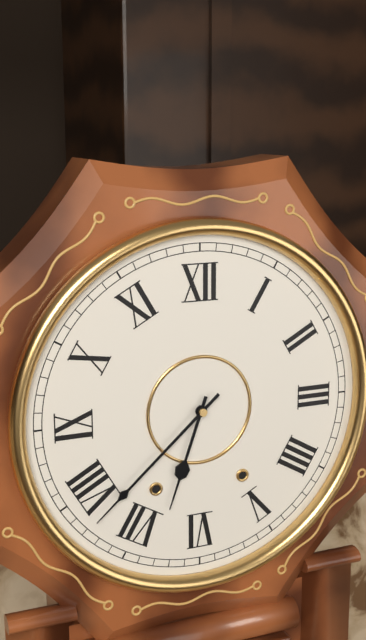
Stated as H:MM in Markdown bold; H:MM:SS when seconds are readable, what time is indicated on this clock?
**6:38**
